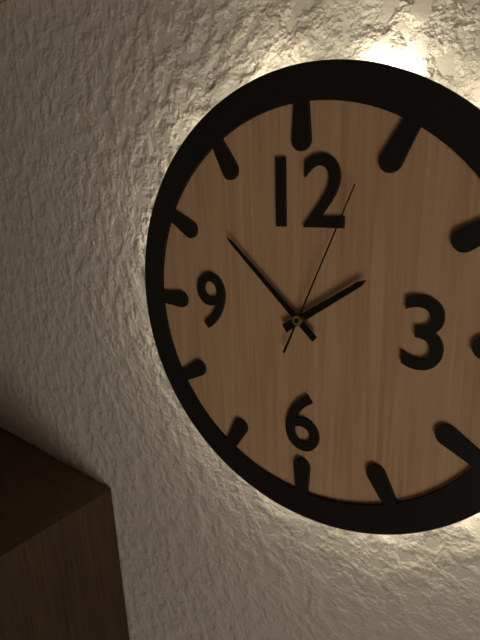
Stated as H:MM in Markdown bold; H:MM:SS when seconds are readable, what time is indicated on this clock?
**1:52:04**
